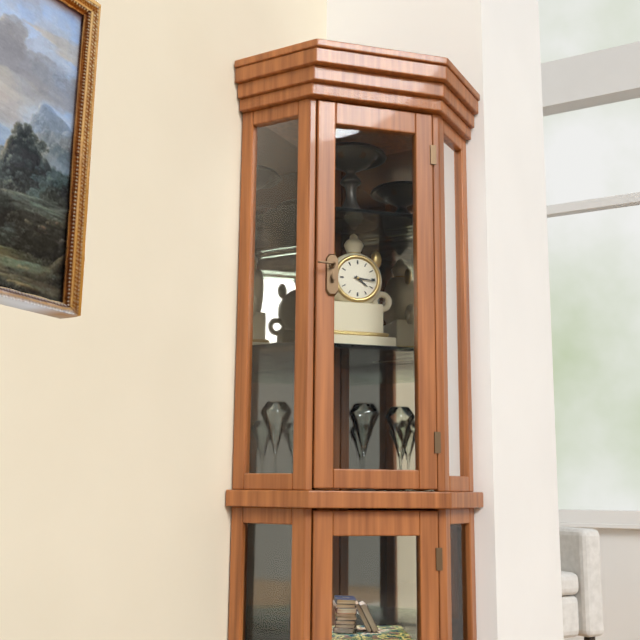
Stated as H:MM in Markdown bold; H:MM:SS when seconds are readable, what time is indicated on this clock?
**4:16**
